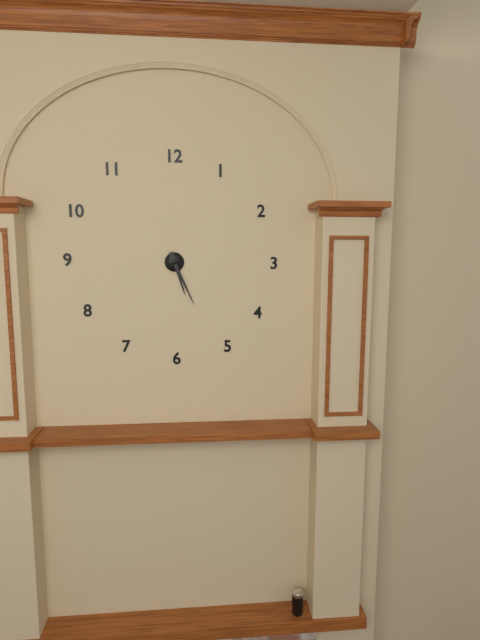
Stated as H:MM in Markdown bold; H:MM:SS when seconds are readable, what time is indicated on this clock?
**5:26**
